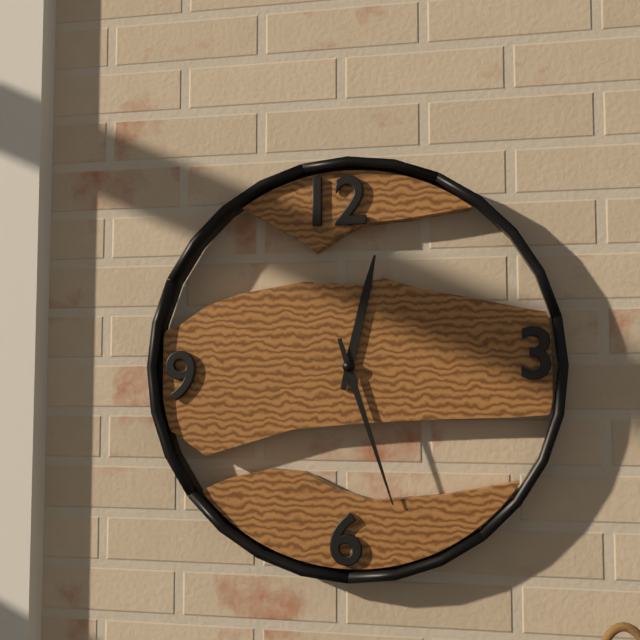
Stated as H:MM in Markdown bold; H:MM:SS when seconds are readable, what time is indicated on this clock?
**12:27**
